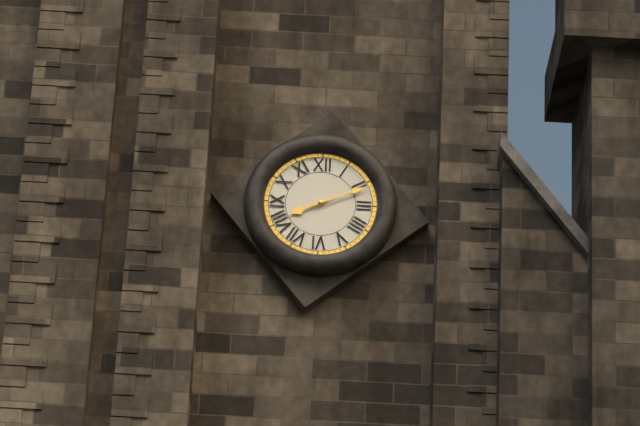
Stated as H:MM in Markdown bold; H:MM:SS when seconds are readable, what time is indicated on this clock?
**8:11**
